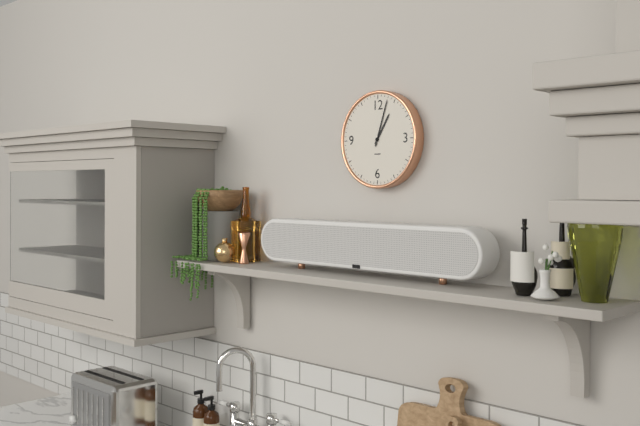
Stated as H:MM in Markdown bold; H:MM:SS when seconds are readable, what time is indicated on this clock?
**1:03**
